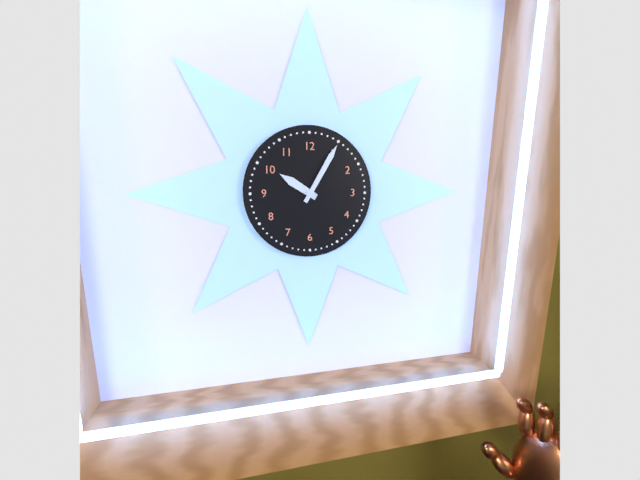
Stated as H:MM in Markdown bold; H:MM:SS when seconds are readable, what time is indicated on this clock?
**10:05**
